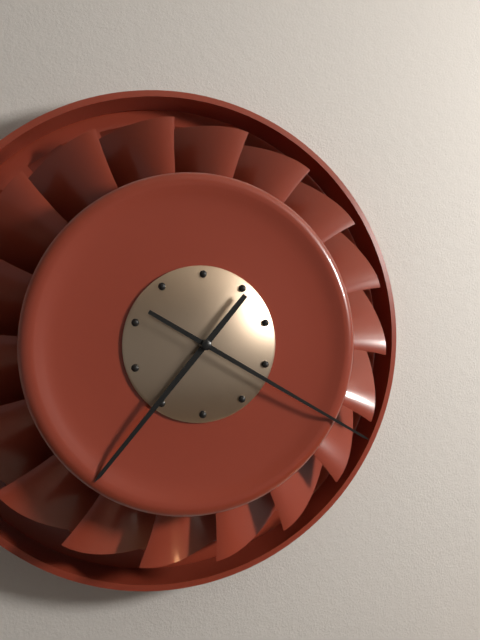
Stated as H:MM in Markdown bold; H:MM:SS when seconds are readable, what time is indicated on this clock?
**7:20**
